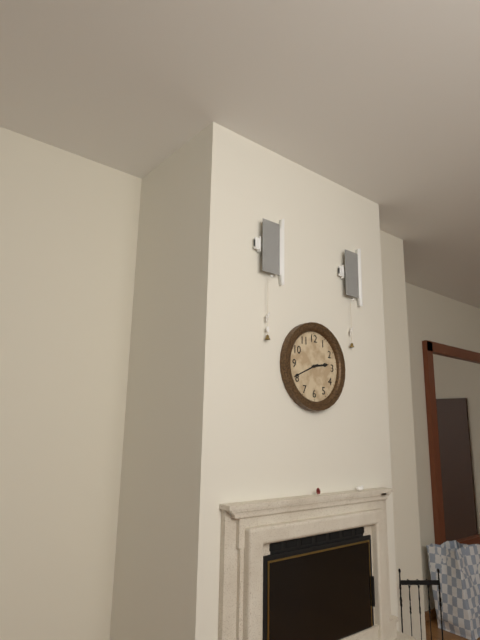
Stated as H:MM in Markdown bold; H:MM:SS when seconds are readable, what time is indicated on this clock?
**2:41**
